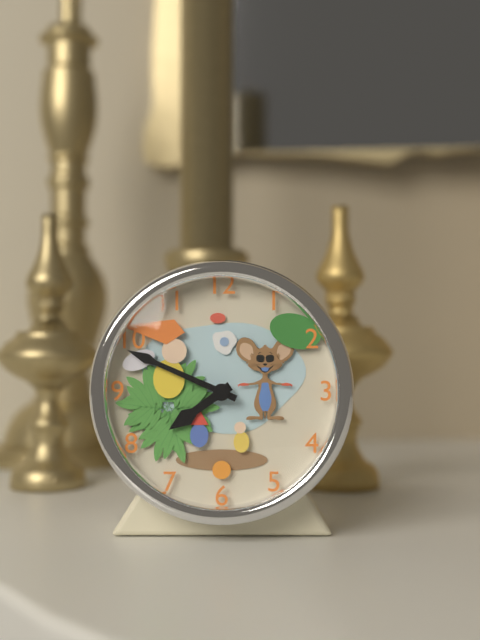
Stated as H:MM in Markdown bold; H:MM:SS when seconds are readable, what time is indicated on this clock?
**7:49**
